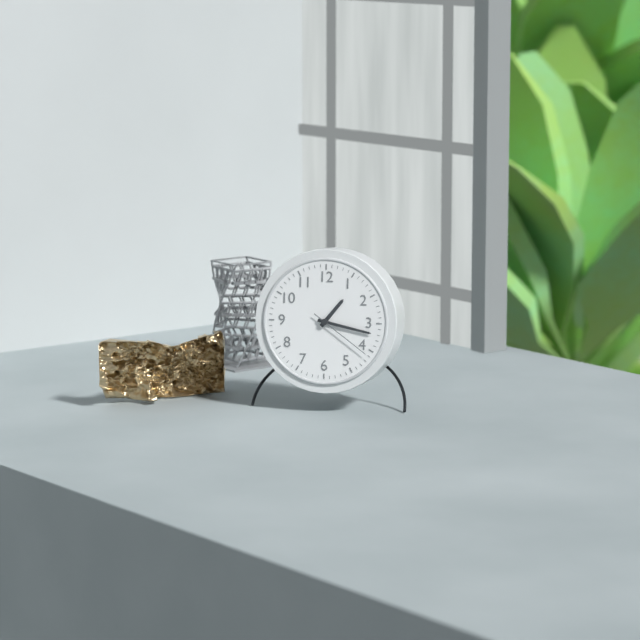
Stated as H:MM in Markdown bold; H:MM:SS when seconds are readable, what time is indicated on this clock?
**1:17:21**
